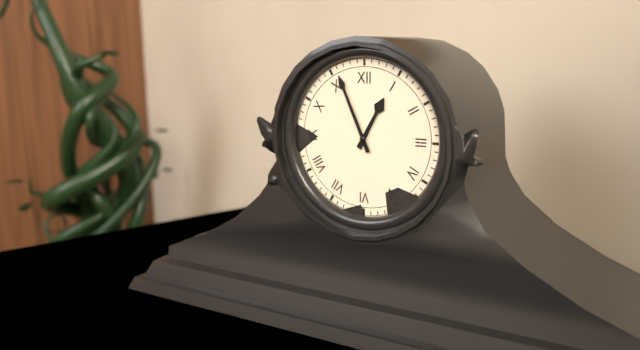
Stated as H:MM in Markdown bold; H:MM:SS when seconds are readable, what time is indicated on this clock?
**12:56**
